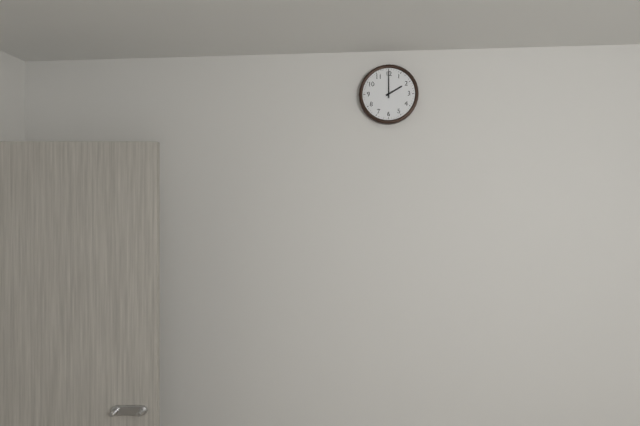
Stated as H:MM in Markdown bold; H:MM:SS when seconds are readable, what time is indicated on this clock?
**2:00**
